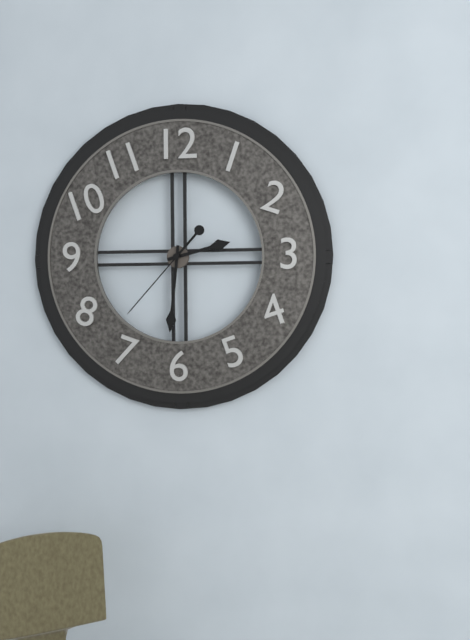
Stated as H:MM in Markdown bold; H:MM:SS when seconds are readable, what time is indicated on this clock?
**2:31:37**
